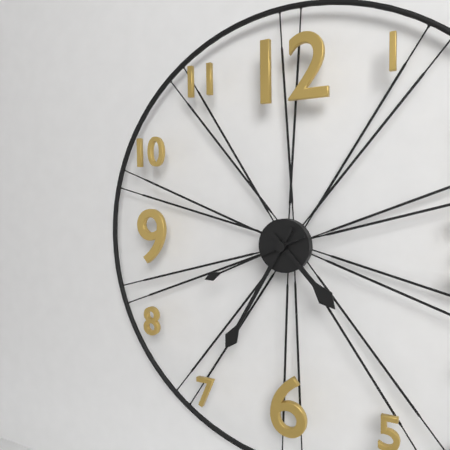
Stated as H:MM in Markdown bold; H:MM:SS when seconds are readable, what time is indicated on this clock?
**4:35:41**
